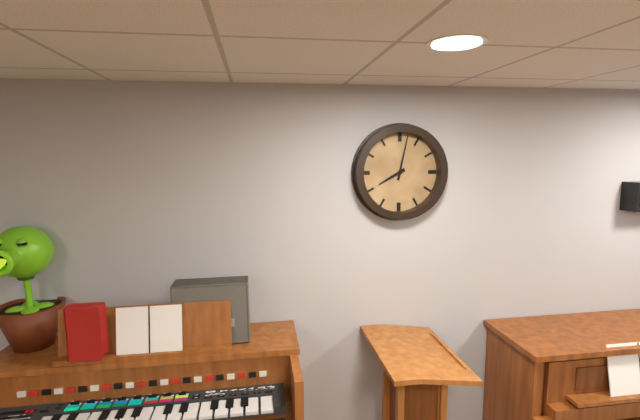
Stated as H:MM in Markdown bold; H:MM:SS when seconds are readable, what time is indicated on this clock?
**8:02**
